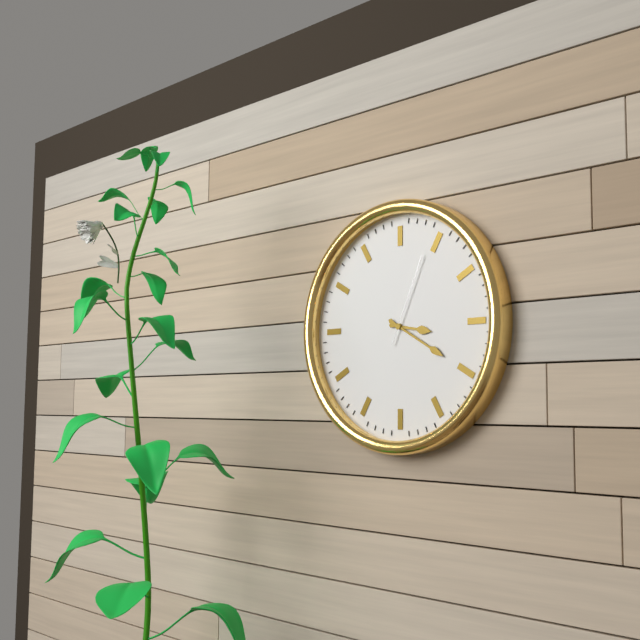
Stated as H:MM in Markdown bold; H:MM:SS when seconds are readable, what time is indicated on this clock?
**3:20:04**
